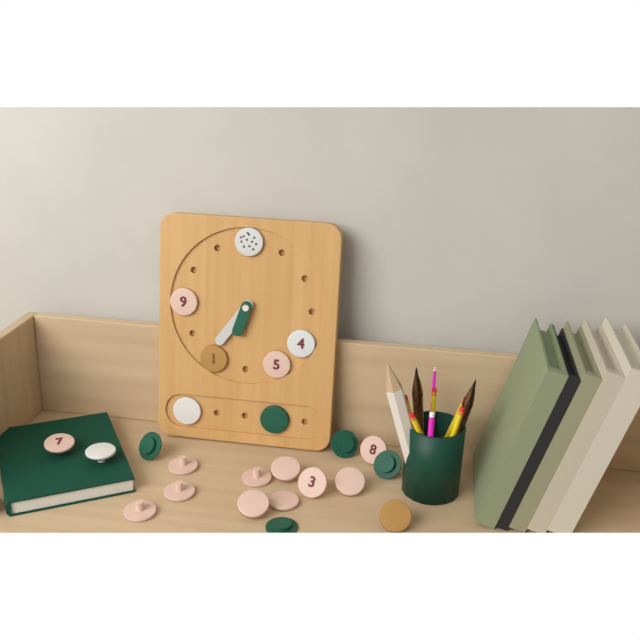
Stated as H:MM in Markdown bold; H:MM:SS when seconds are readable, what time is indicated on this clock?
**6:36**
